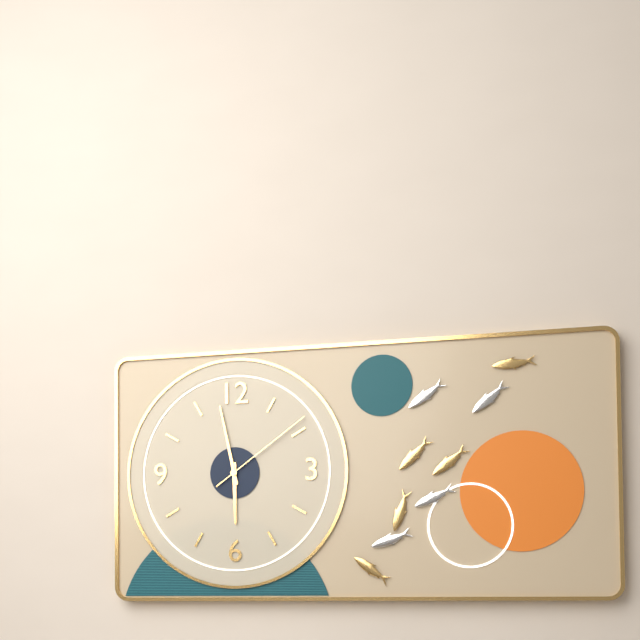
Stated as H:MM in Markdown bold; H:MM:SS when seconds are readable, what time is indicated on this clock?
**5:58:09**
